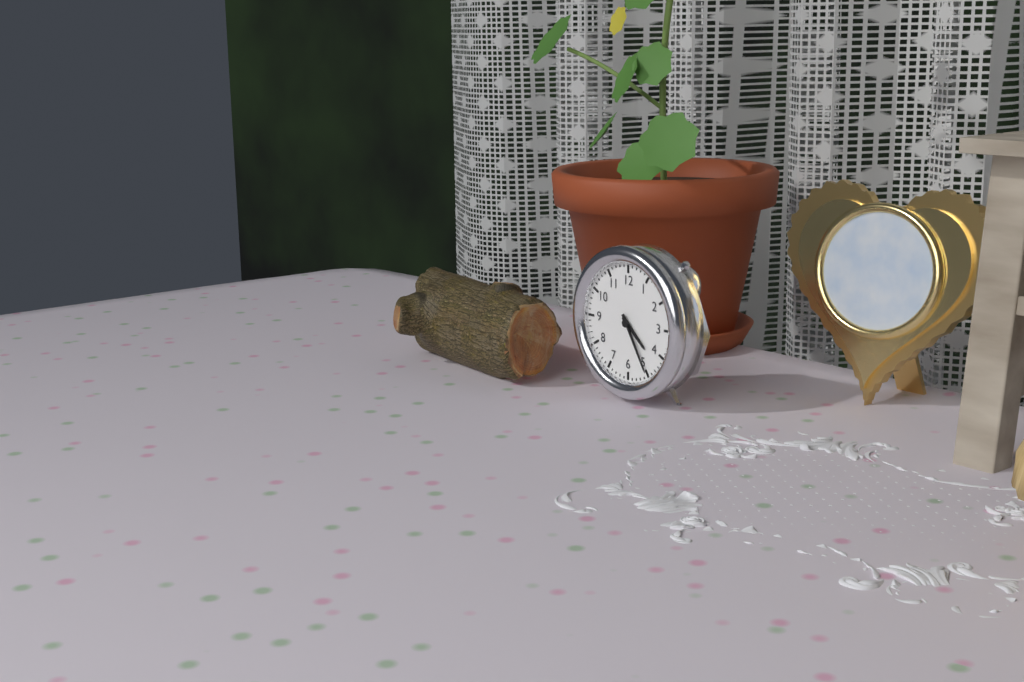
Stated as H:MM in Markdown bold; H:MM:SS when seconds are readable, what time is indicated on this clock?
**4:25**
